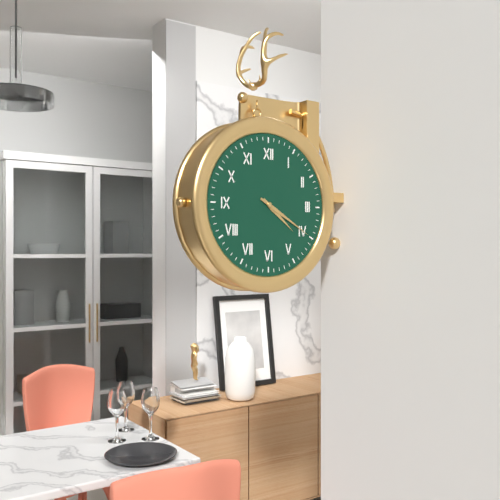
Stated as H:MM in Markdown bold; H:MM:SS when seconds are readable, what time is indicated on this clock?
**4:20**
